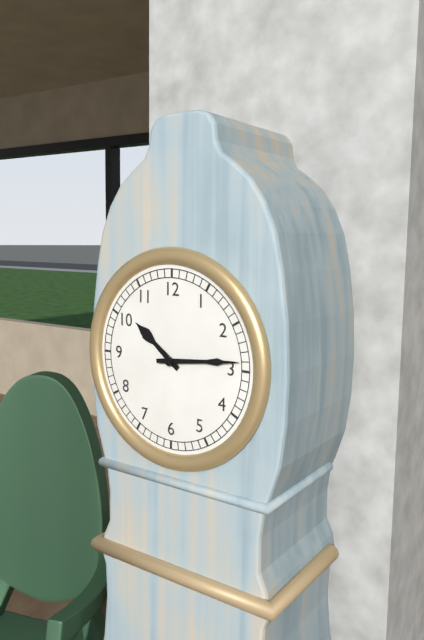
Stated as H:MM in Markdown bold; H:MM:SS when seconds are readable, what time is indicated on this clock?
**10:14**
